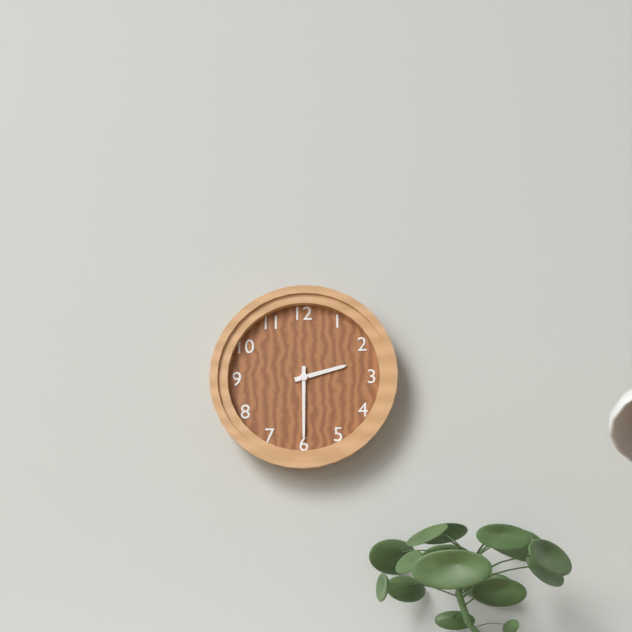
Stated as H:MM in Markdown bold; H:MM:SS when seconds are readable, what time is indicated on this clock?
**2:30**
